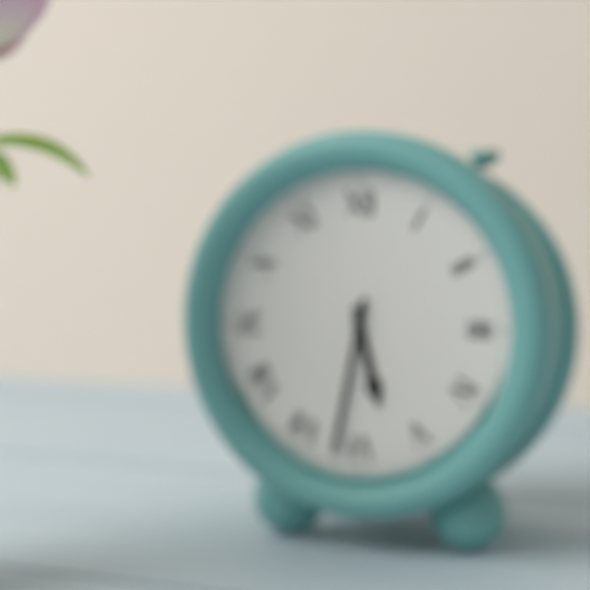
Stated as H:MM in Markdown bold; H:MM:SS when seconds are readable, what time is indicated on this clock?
**5:32**
